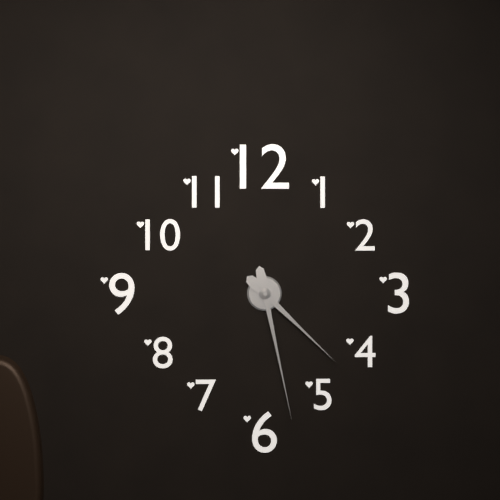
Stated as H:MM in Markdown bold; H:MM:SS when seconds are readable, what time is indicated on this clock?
**4:28**
